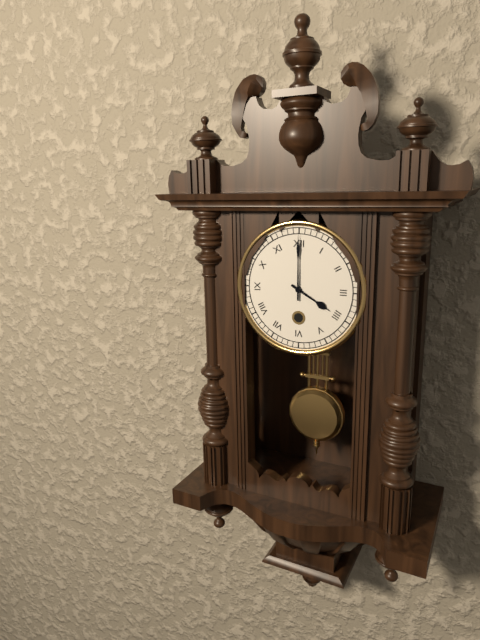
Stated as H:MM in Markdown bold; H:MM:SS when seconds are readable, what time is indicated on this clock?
**4:00**
